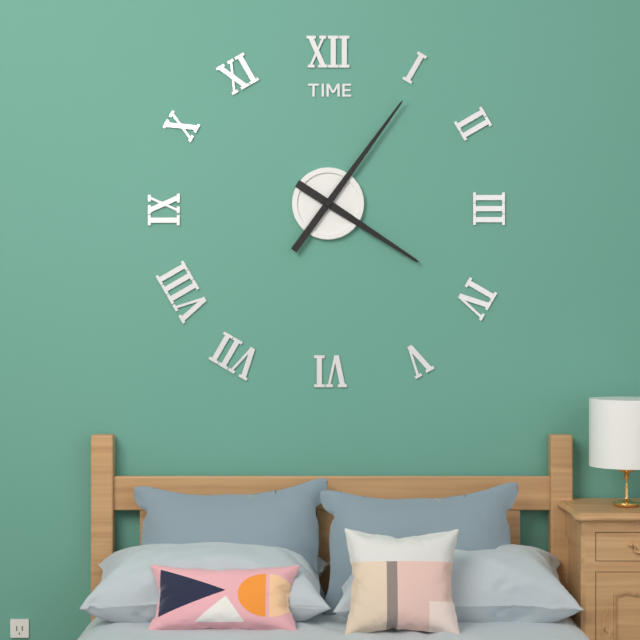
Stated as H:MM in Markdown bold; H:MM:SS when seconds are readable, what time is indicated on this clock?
**4:06**
